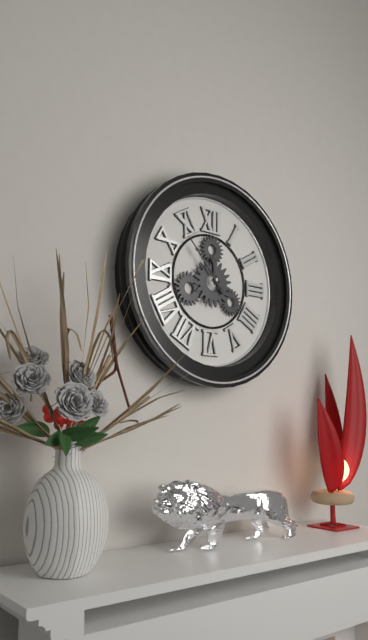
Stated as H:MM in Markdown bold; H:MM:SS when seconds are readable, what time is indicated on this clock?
**11:53**
